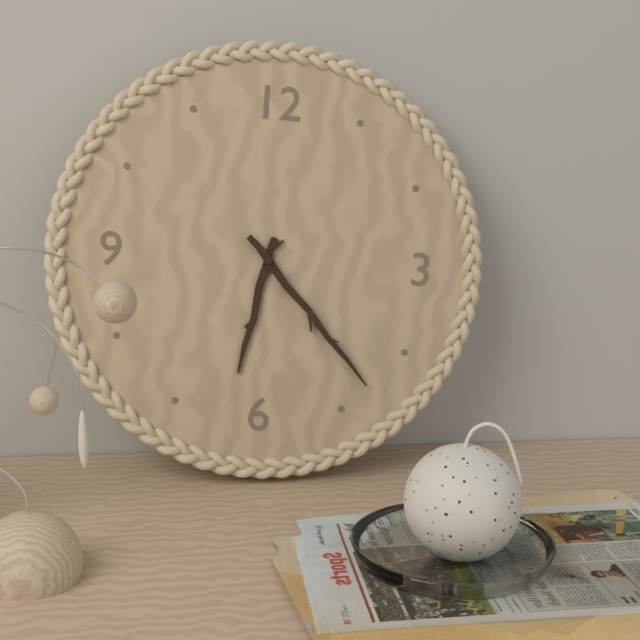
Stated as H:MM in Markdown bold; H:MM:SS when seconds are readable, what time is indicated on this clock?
**6:23**
